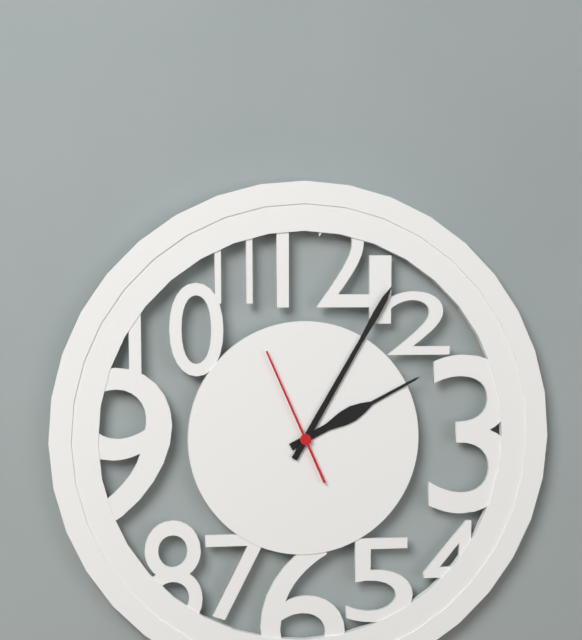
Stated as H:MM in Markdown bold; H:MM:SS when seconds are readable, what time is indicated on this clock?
**2:05:56**
